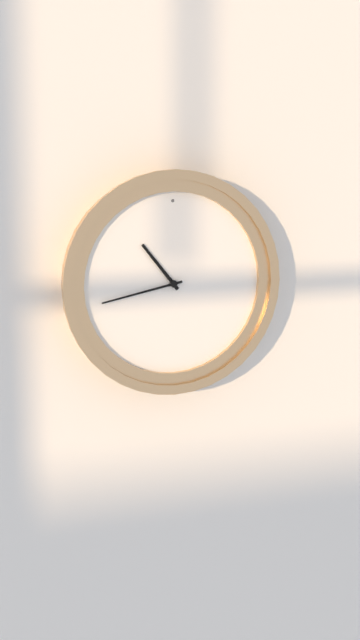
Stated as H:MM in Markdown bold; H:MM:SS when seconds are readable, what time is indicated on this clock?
**10:43**
